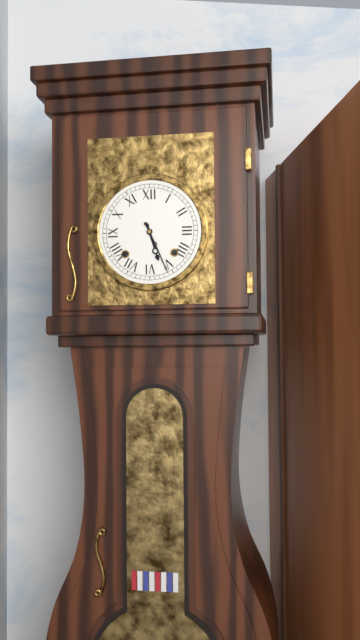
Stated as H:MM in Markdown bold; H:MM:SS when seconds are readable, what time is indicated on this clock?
**5:26**
